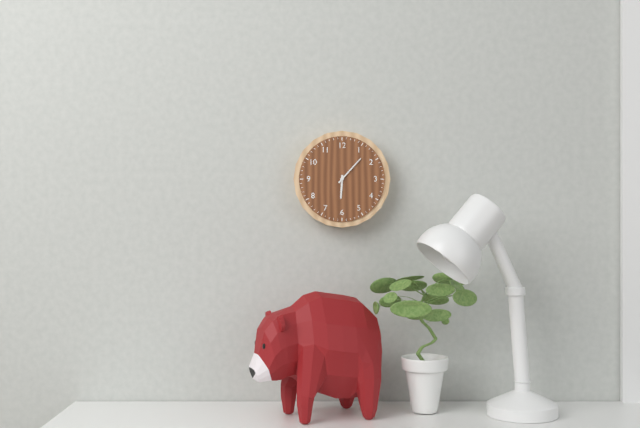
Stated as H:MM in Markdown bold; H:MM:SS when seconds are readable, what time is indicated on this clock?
**6:07**
